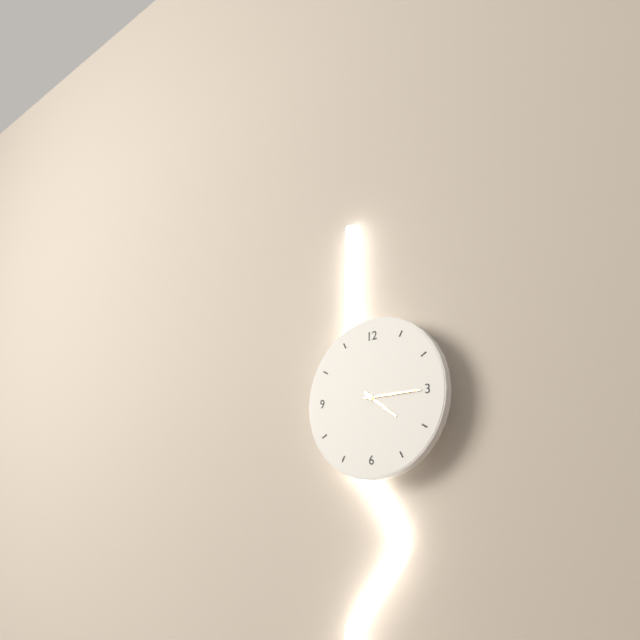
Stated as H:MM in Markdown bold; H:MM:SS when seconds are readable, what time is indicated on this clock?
**4:15**
